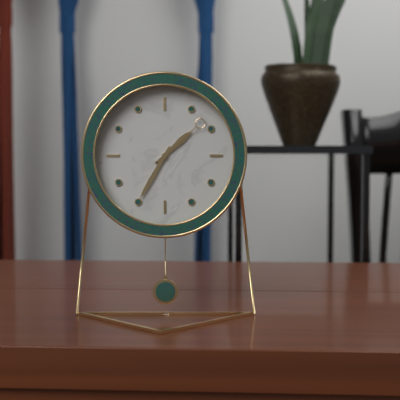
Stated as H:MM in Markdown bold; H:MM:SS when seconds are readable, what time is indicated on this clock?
**1:35:08**
